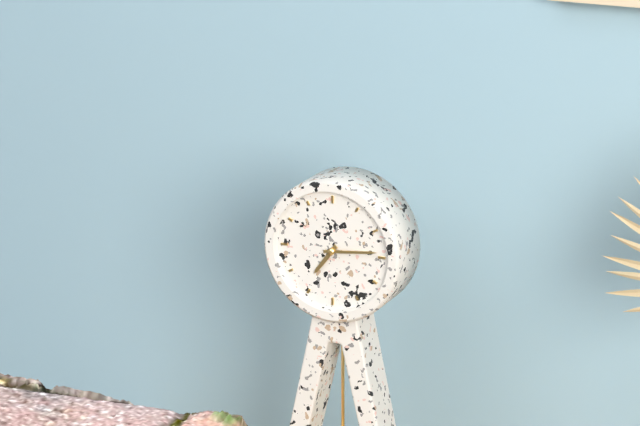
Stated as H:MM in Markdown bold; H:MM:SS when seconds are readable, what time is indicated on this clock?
**7:14**
